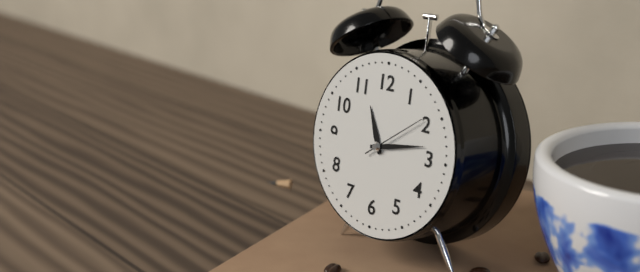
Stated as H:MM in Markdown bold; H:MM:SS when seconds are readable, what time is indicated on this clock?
**11:13:09**
